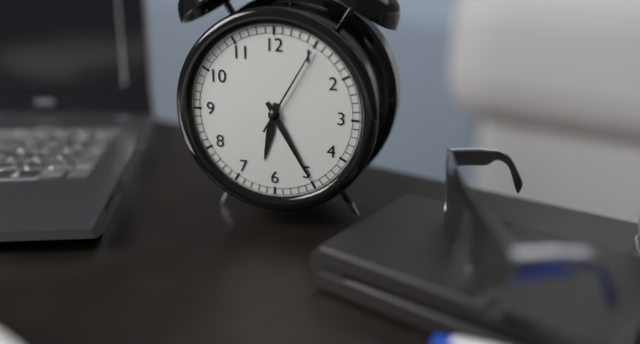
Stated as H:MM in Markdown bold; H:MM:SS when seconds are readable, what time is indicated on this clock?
**6:25:05**
